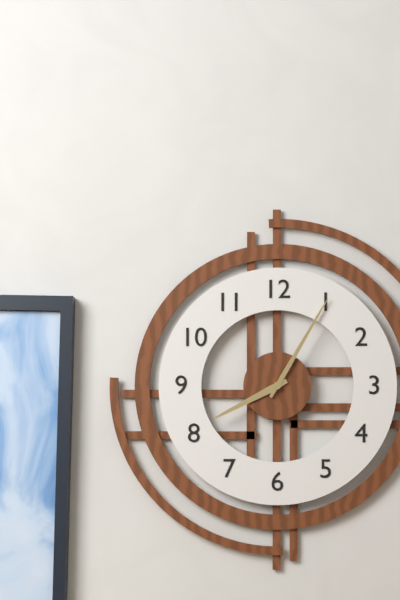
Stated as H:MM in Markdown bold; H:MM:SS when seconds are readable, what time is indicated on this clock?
**8:05**
